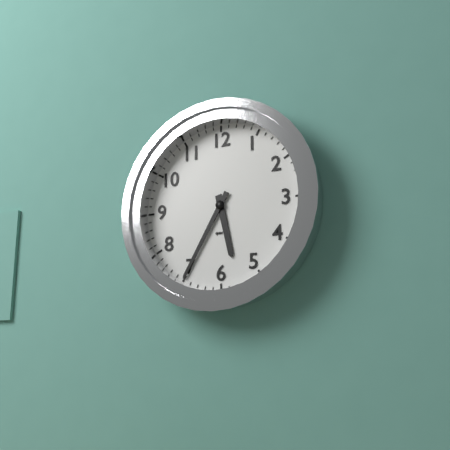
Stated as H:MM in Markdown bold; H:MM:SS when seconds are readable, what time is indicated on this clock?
**5:35**
